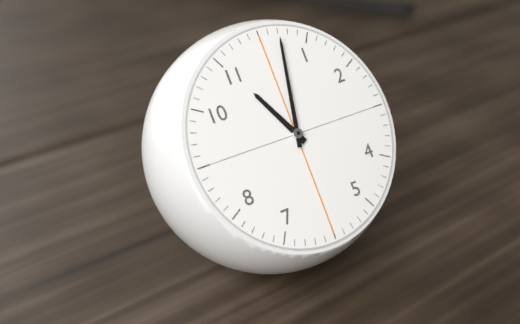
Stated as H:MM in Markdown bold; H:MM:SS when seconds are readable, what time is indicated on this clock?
**11:02**
